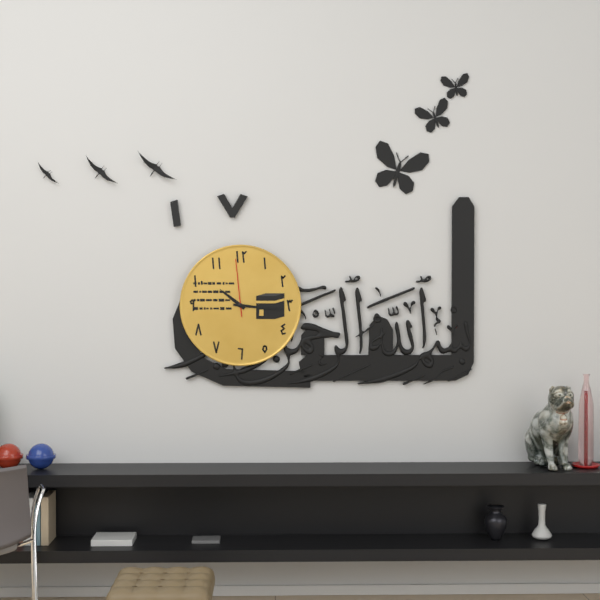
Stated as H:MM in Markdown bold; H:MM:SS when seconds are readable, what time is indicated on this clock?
**10:16:59**
